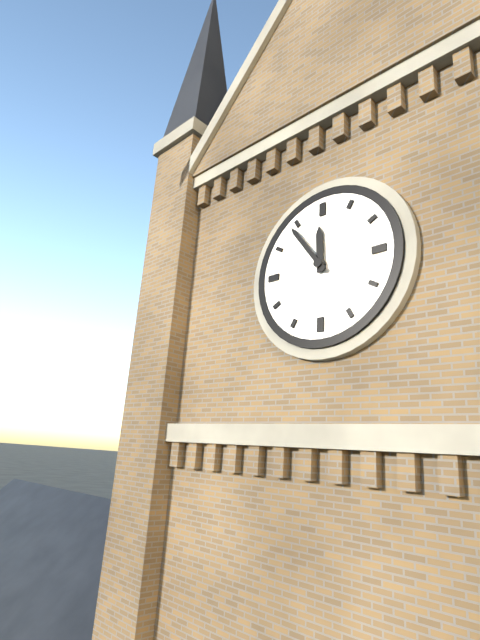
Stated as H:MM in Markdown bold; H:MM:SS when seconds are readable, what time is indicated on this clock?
**11:54**
